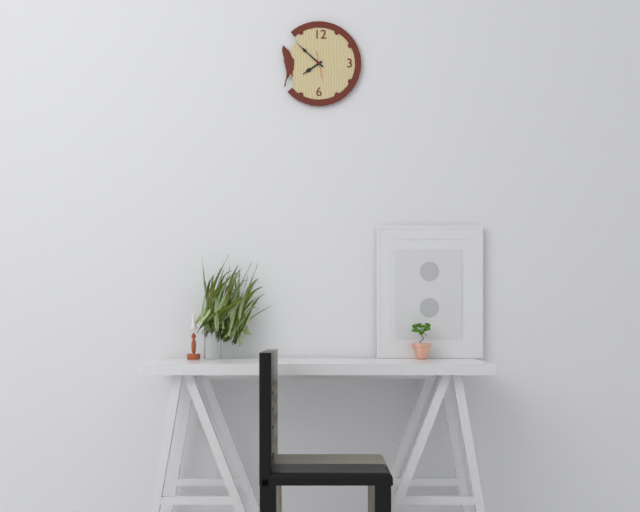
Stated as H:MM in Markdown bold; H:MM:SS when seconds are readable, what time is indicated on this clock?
**7:52**
